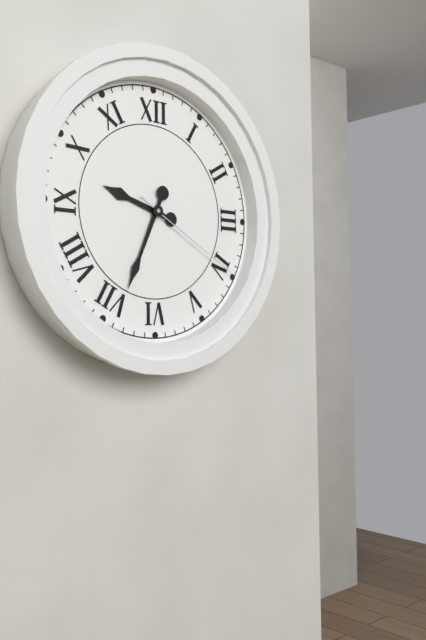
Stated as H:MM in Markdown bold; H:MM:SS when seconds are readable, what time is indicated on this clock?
**9:34:20**
